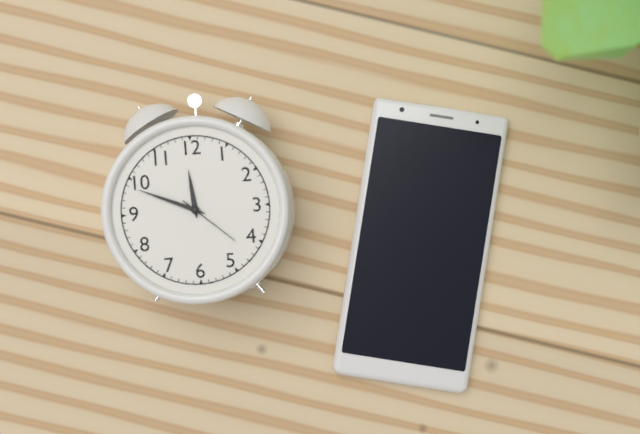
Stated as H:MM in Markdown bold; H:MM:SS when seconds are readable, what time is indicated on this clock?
**11:49:22**
